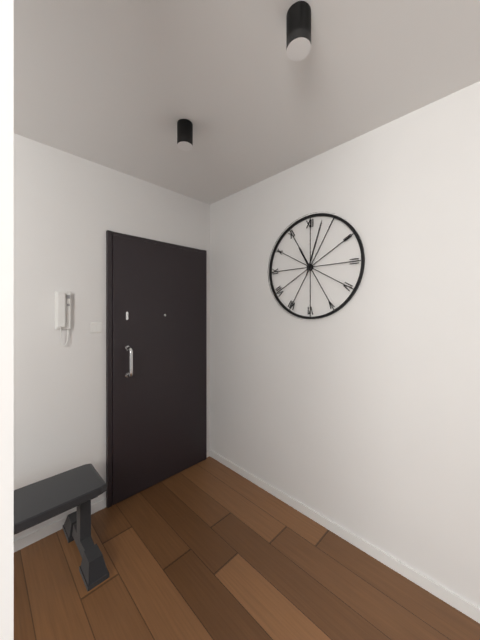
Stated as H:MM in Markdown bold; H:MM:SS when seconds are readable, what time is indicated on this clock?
**11:03**
